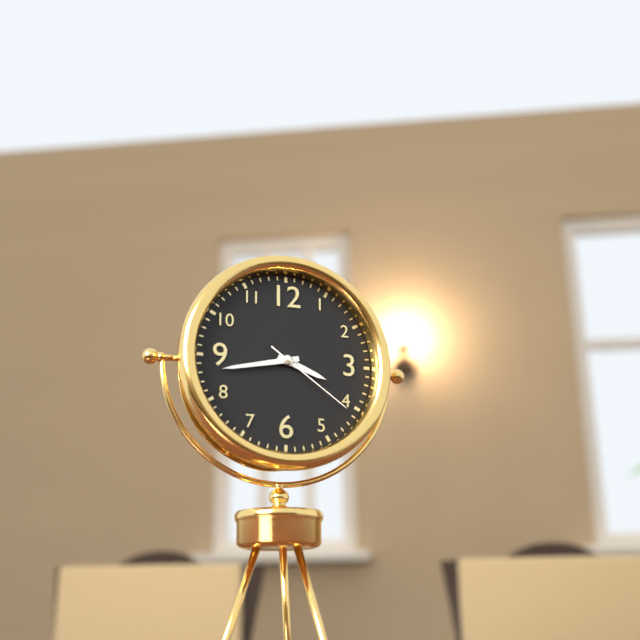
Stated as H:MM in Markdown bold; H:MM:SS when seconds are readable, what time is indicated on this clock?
**3:43:21**
